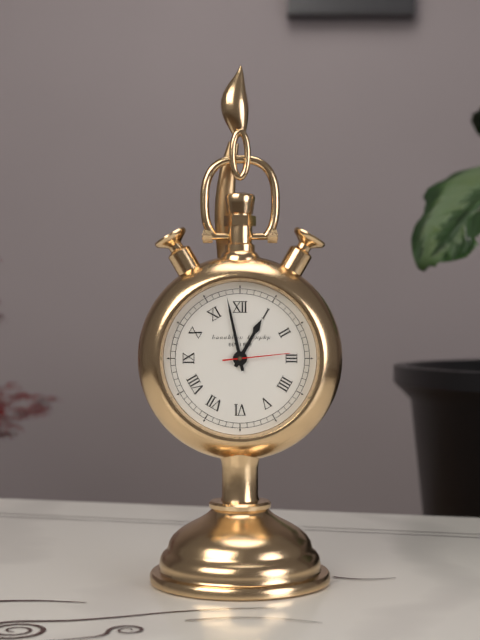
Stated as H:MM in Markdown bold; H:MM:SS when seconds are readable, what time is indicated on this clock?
**12:58:14**
